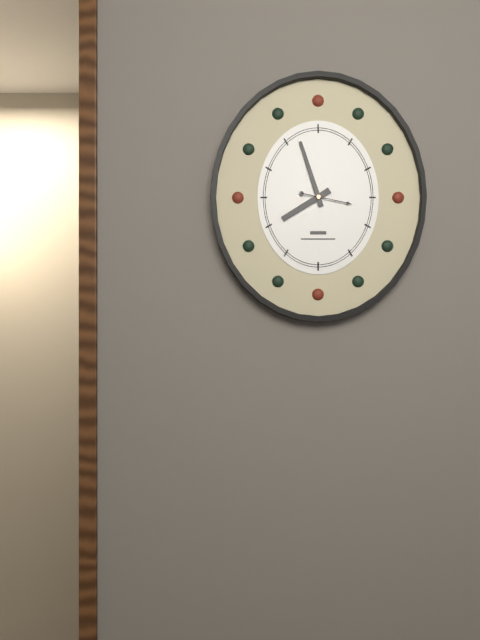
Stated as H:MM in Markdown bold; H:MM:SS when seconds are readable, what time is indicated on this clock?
**7:57**
